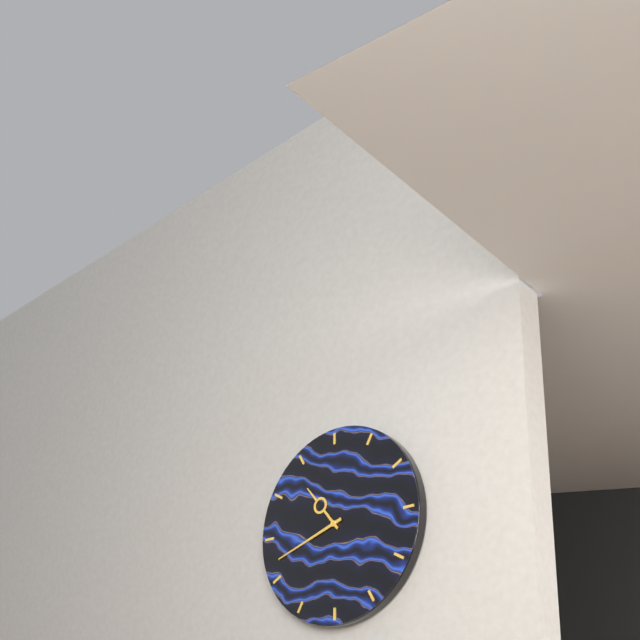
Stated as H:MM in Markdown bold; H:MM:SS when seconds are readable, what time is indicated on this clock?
**10:42**
